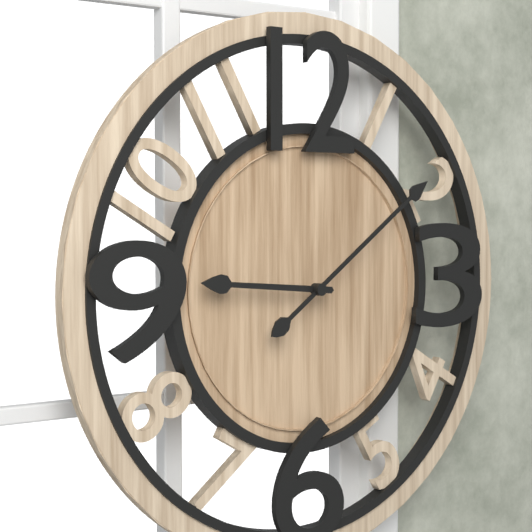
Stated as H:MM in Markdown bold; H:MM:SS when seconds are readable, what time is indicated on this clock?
**9:09**
